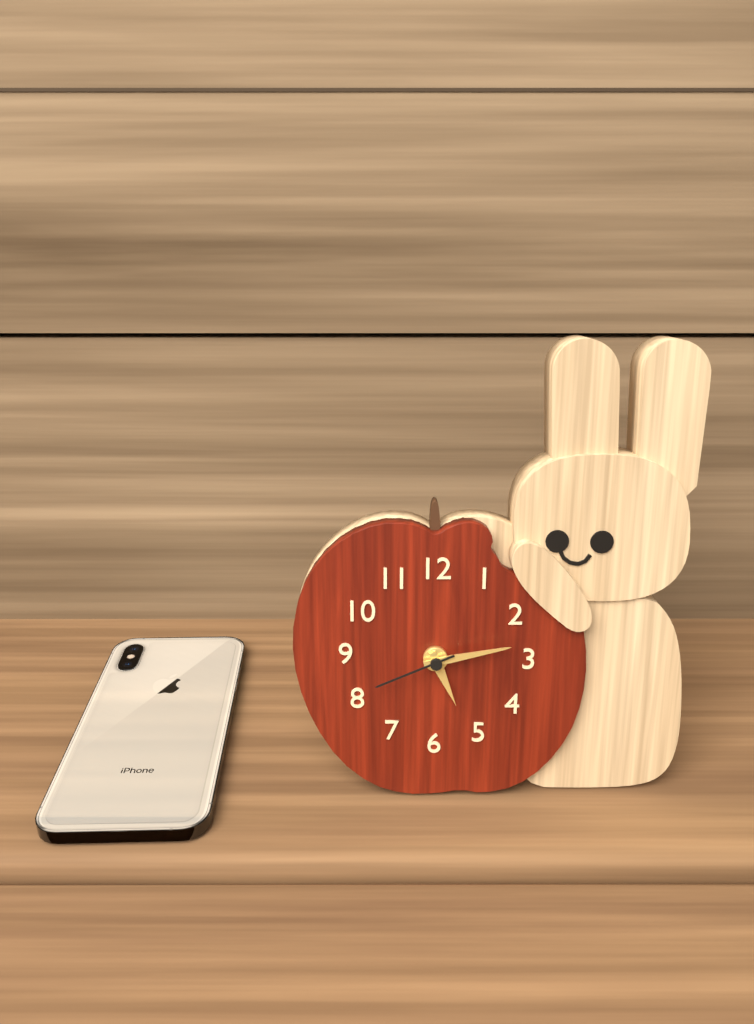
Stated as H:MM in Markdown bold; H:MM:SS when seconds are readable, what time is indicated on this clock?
**5:13:41**
